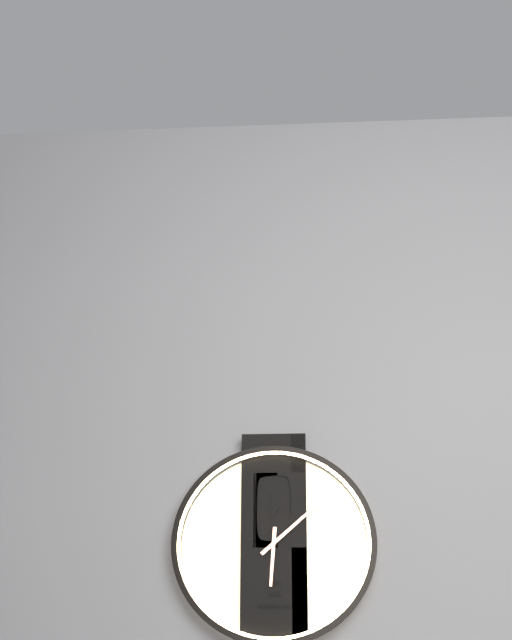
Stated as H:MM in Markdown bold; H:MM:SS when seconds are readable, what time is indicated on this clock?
**6:08**
